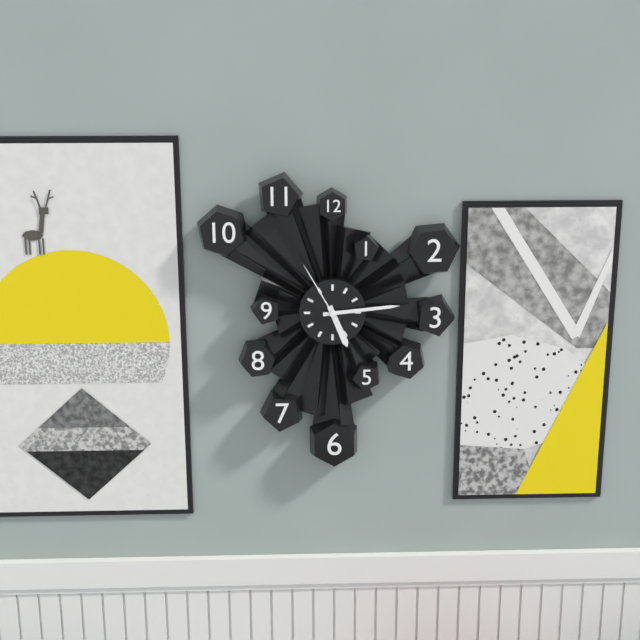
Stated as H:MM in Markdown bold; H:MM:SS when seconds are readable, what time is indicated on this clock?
**5:14:55**
